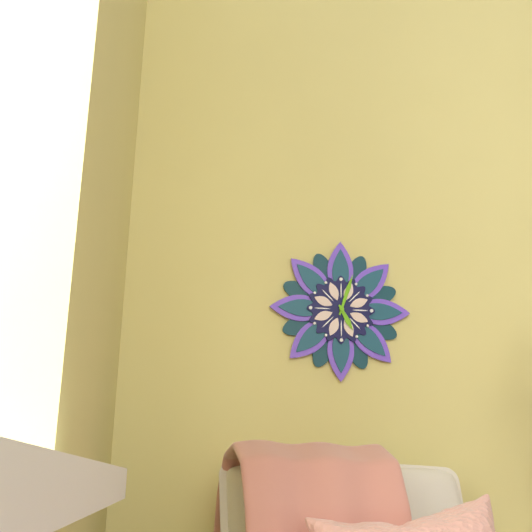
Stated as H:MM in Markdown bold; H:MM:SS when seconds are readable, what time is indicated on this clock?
**5:03**
